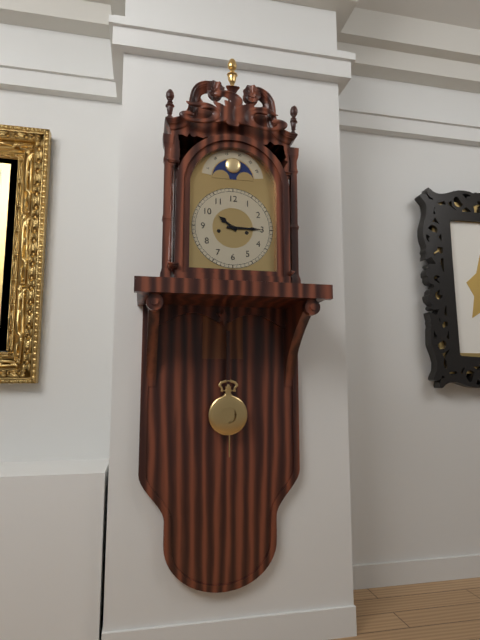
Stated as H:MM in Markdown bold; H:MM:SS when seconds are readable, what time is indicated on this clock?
**10:15**
